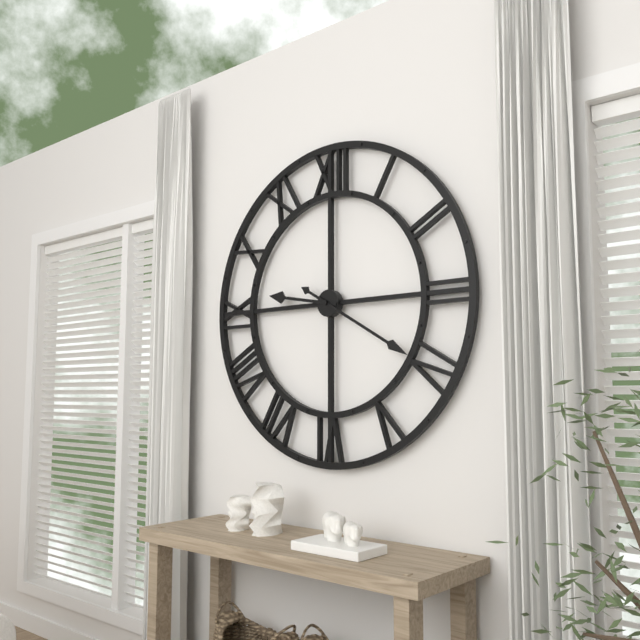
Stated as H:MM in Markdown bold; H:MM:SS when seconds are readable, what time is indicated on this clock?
**9:20**
